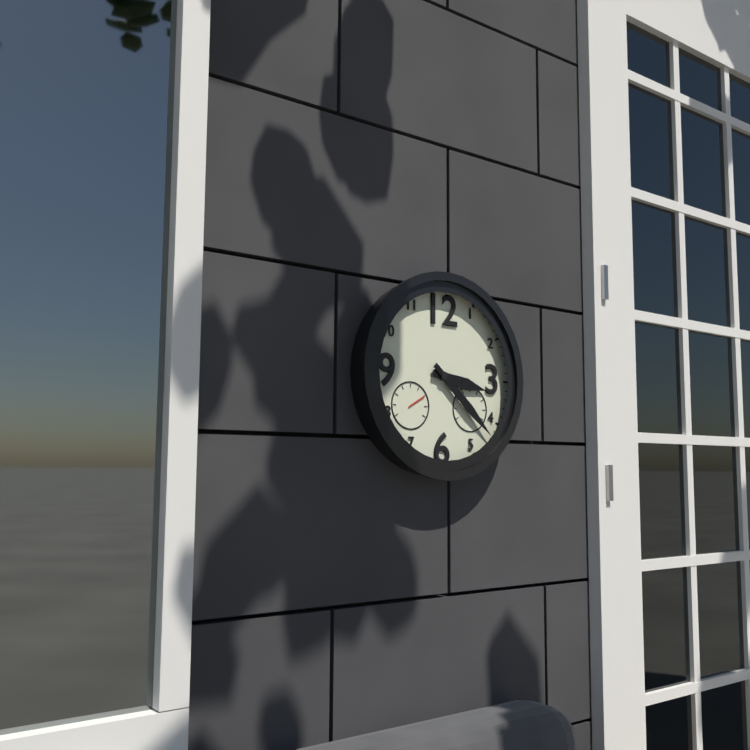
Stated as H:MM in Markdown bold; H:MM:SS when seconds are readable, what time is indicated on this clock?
**3:22**
